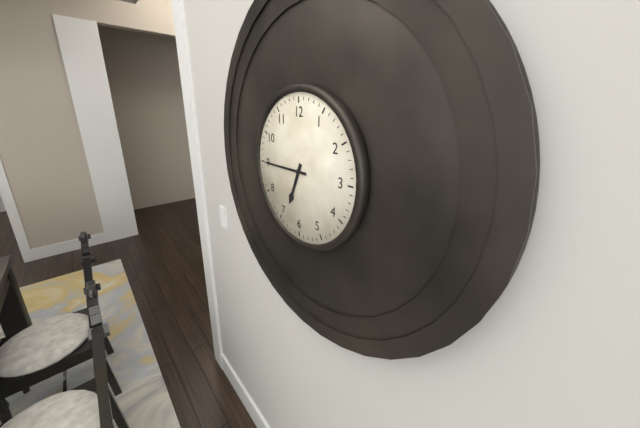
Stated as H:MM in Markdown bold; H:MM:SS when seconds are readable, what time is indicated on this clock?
**6:45**
